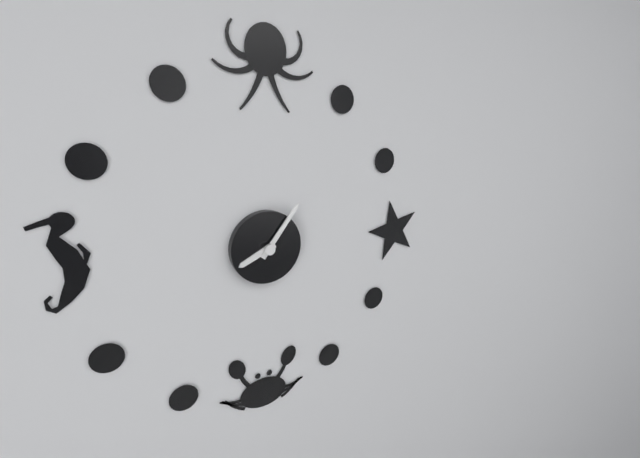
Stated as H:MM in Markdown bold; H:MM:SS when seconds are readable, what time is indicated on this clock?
**8:06**
